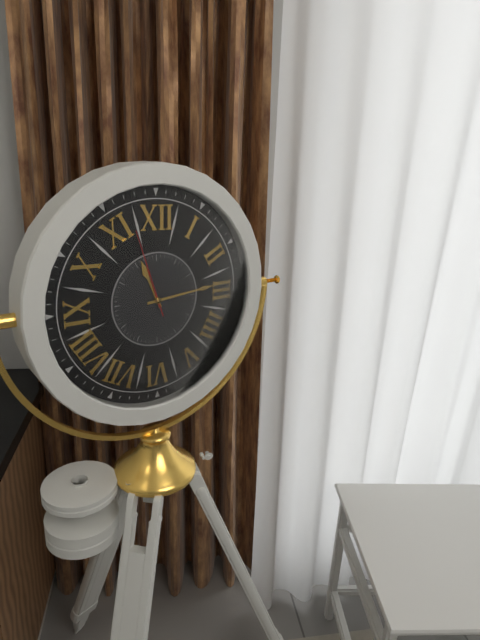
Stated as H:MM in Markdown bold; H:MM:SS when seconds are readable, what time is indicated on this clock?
**11:14:57**
